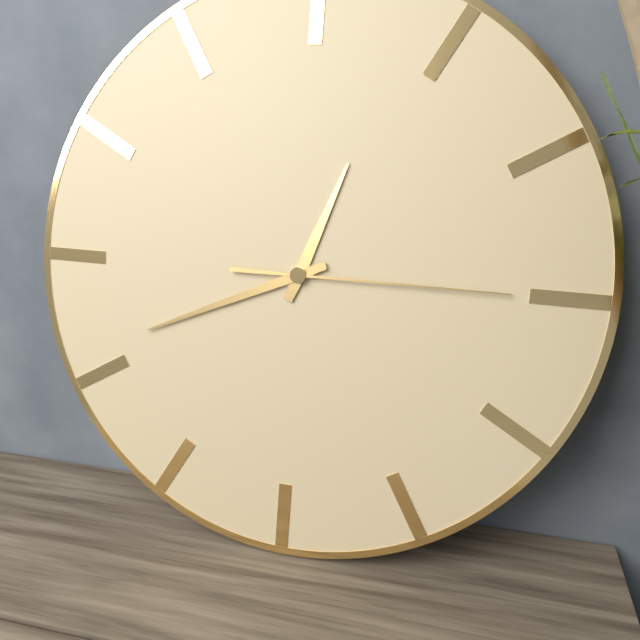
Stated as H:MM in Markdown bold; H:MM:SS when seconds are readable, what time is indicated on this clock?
**12:41:15**
